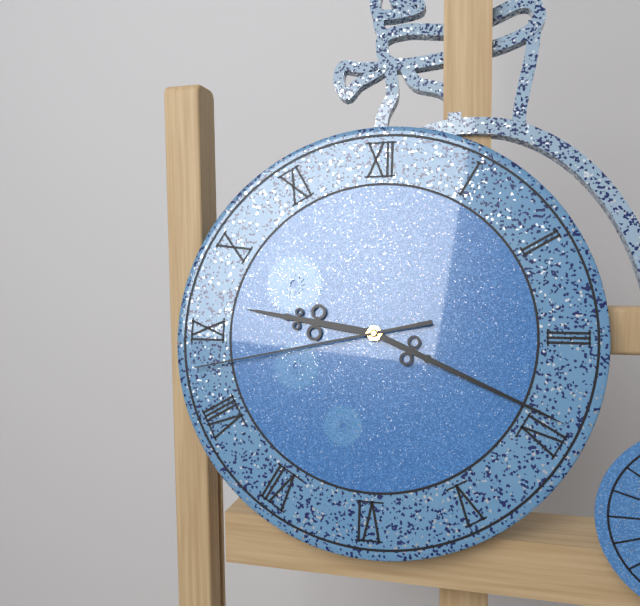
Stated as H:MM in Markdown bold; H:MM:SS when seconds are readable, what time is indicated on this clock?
**9:19:43**
